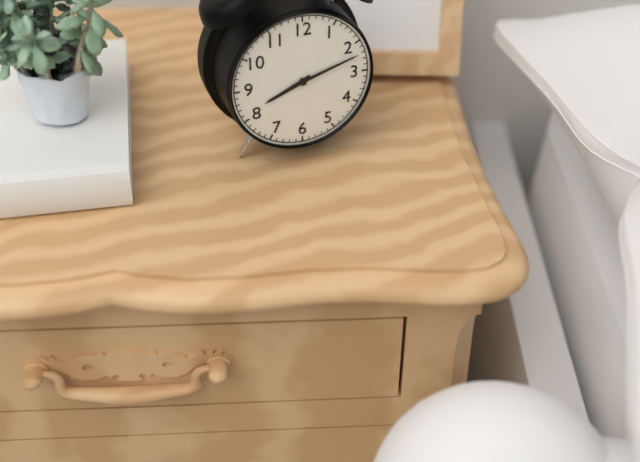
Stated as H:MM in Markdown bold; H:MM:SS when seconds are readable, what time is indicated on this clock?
**8:12**
